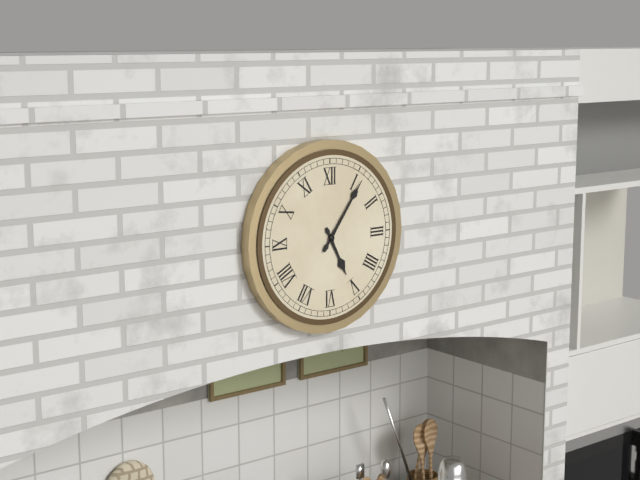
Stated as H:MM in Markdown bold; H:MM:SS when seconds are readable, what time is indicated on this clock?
**5:06**
